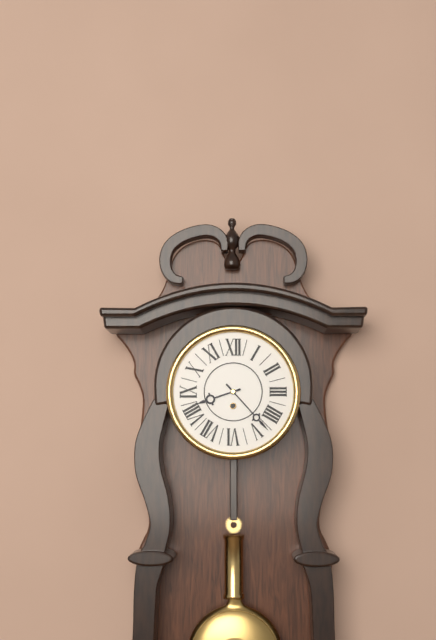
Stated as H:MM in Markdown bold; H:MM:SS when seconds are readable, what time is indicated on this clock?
**8:23**
